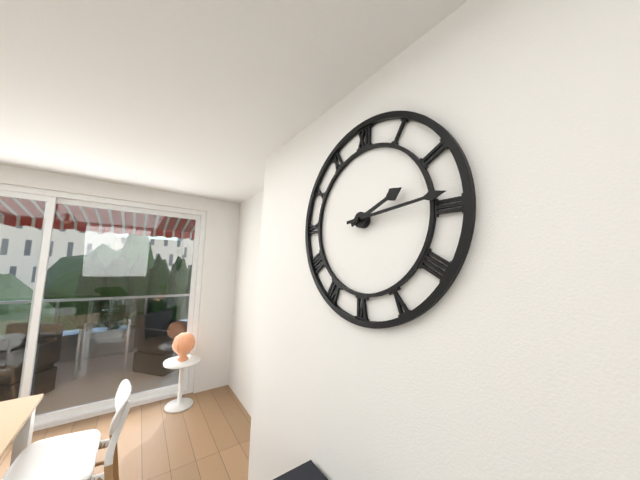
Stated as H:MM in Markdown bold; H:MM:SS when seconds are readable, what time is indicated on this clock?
**2:14**
